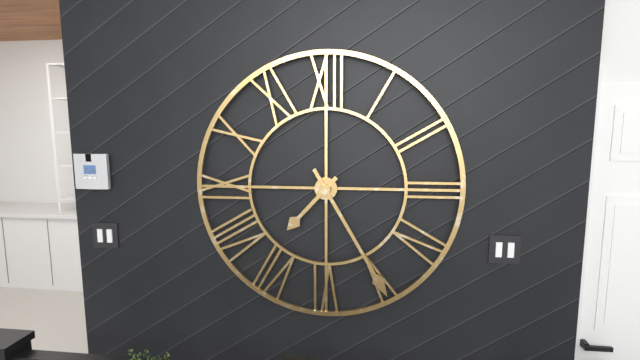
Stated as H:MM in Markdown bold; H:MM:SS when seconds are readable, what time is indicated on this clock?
**7:25**
